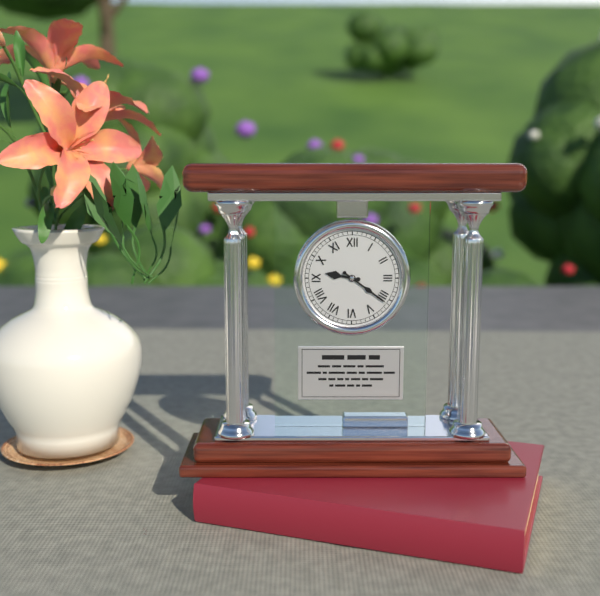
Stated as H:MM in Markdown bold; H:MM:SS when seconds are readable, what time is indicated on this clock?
**9:21**
